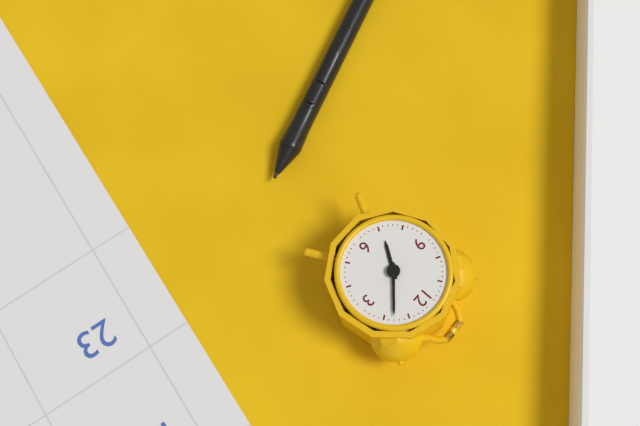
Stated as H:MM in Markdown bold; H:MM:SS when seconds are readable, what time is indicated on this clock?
**7:08**
